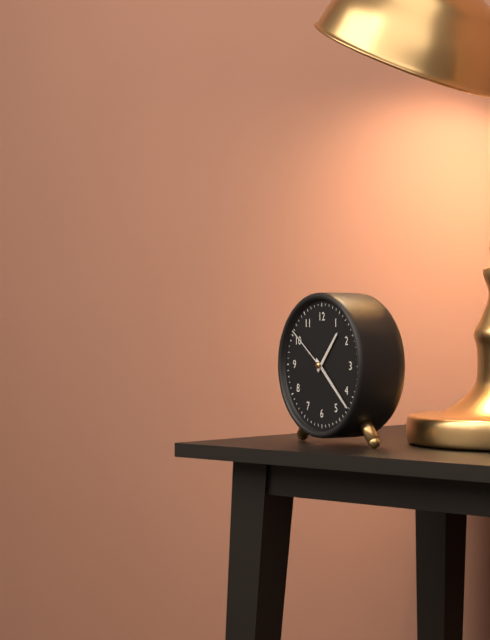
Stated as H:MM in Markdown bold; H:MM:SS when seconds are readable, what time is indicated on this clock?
**1:22:51**
